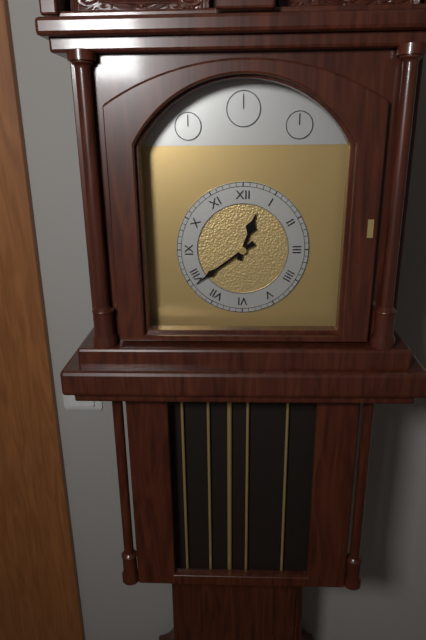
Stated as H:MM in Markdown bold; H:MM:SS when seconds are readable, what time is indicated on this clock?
**12:39**
